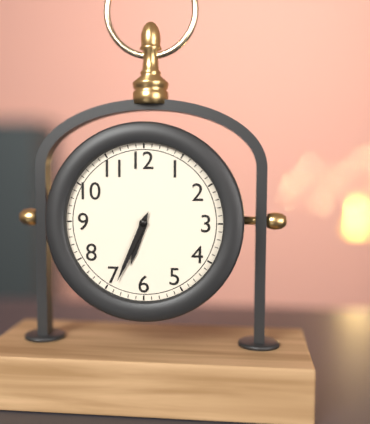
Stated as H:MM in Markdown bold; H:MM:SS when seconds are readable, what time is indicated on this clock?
**6:34**
